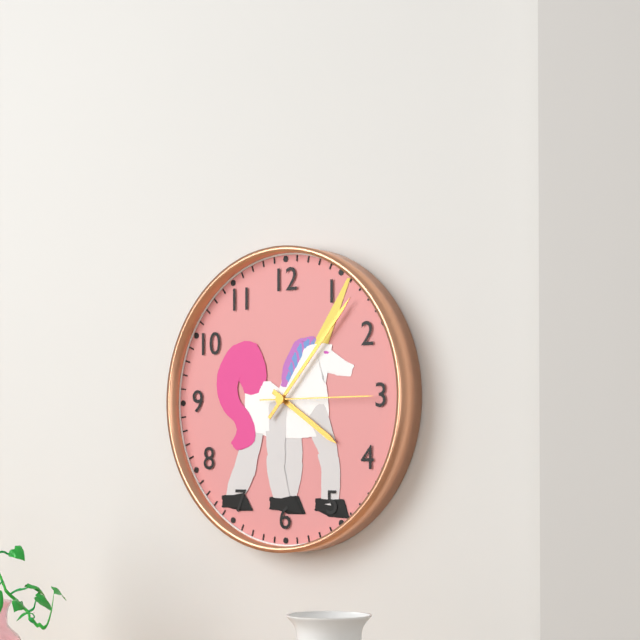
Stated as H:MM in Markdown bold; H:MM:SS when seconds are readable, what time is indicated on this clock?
**4:07:15**
